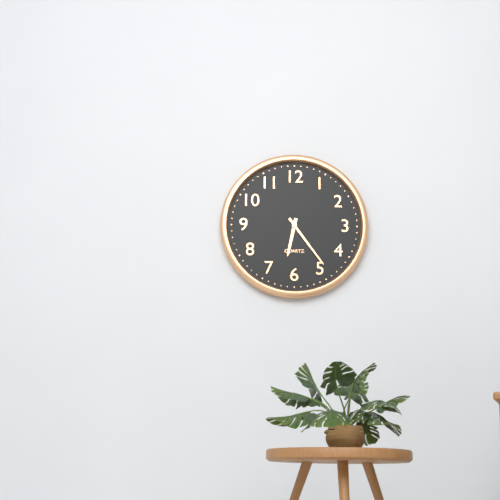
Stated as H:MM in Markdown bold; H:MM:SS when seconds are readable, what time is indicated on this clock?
**6:24**
